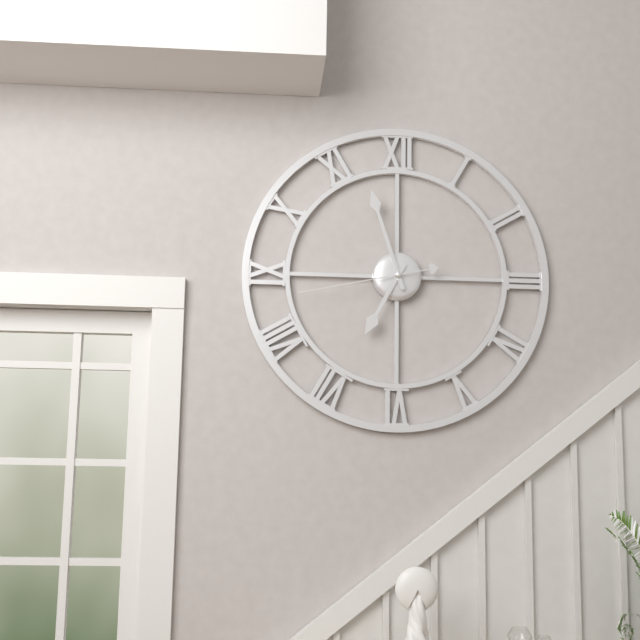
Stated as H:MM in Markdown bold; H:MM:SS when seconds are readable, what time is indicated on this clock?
**6:57:43**
